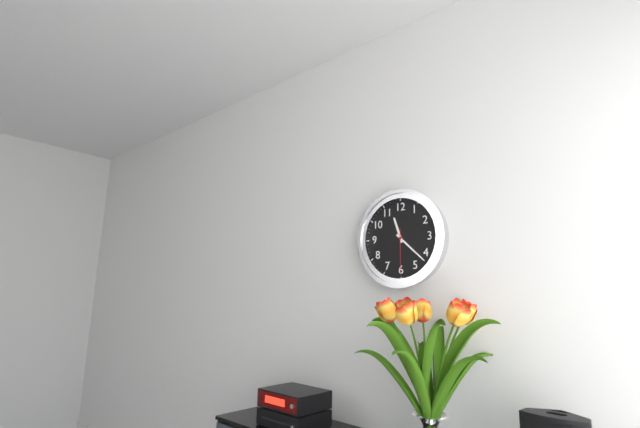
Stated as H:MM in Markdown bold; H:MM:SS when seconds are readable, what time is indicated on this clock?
**11:22**
